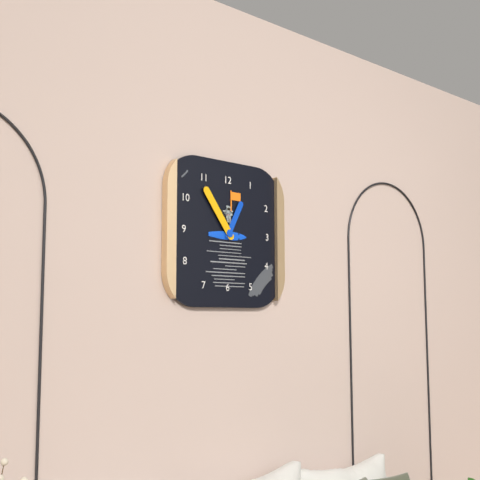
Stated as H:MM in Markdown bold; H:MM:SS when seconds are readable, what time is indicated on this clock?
**12:54**
